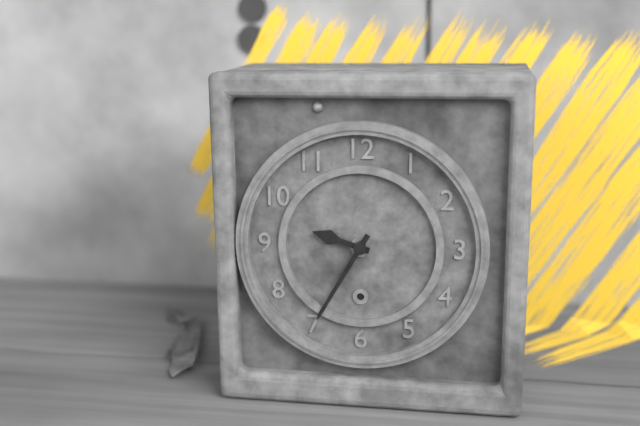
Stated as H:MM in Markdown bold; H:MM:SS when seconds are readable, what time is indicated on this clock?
**9:35**
